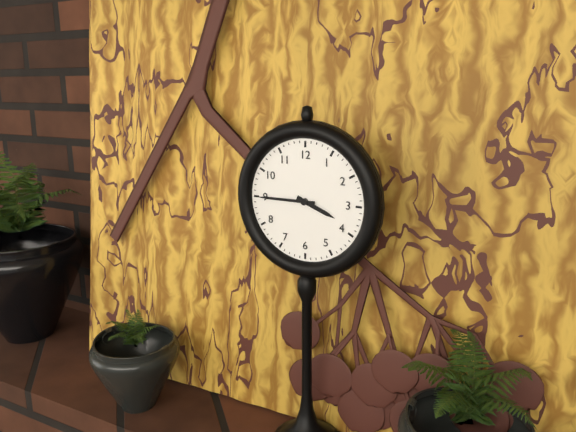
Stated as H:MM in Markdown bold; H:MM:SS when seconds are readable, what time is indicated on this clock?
**3:45**
